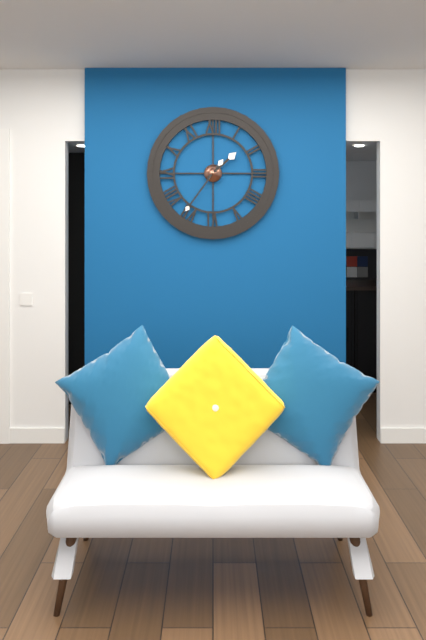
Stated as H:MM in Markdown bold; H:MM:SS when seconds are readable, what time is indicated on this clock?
**1:36**
